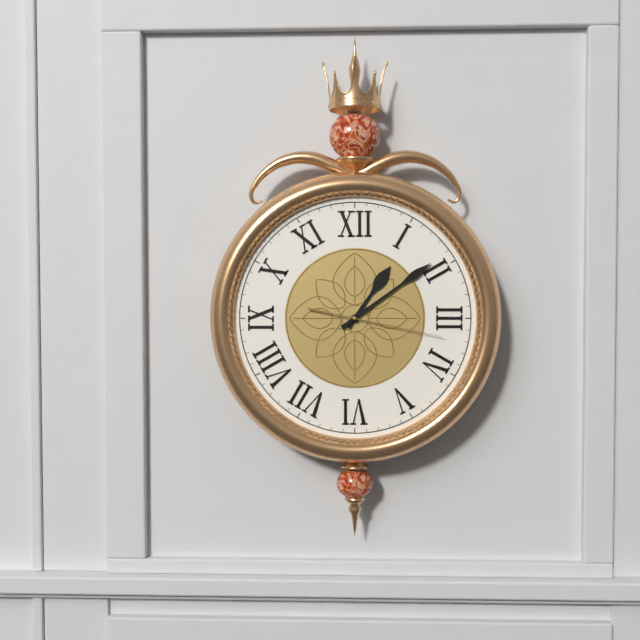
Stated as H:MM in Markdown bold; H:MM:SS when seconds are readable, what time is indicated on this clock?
**1:09:17**
